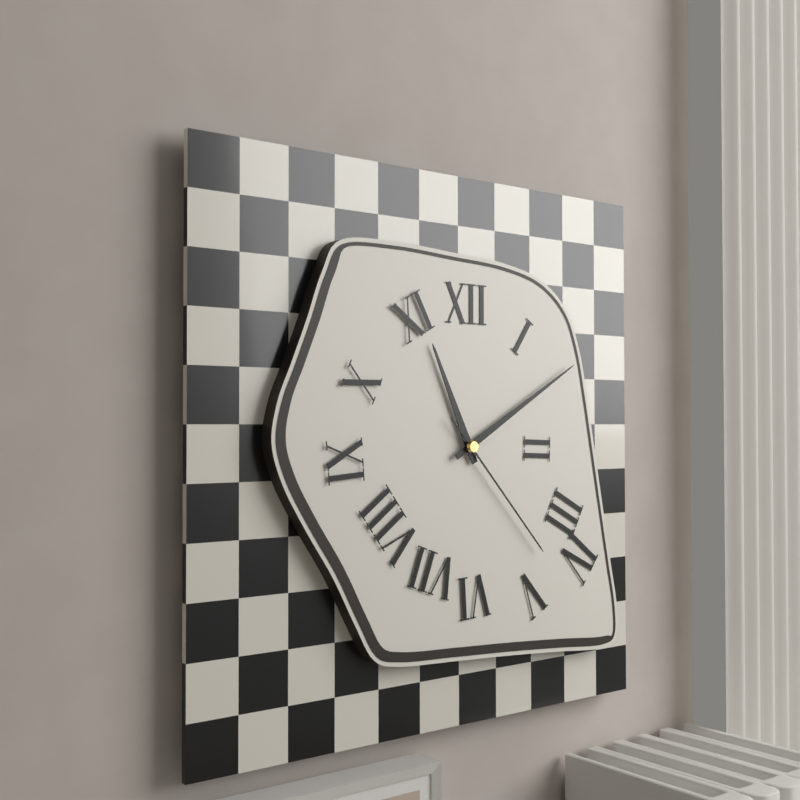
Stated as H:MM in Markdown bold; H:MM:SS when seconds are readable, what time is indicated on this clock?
**11:10:23**
